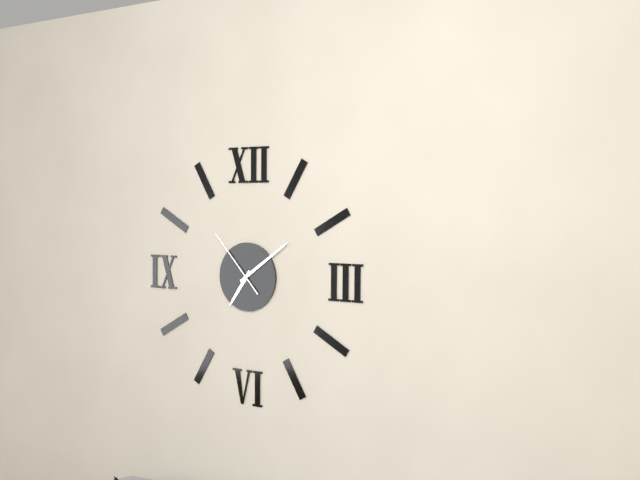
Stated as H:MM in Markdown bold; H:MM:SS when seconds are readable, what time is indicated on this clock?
**7:09:53**
